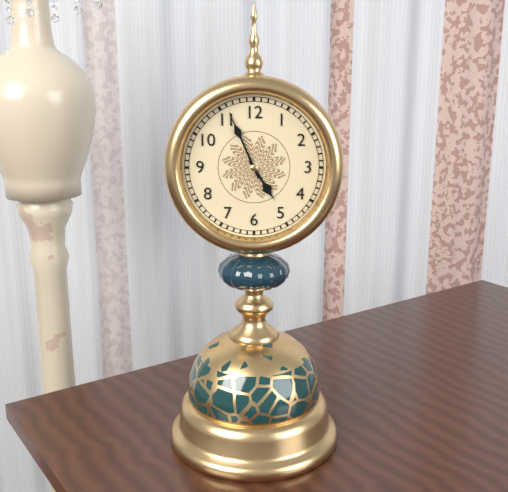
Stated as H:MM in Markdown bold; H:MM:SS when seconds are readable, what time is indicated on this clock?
**4:56**
